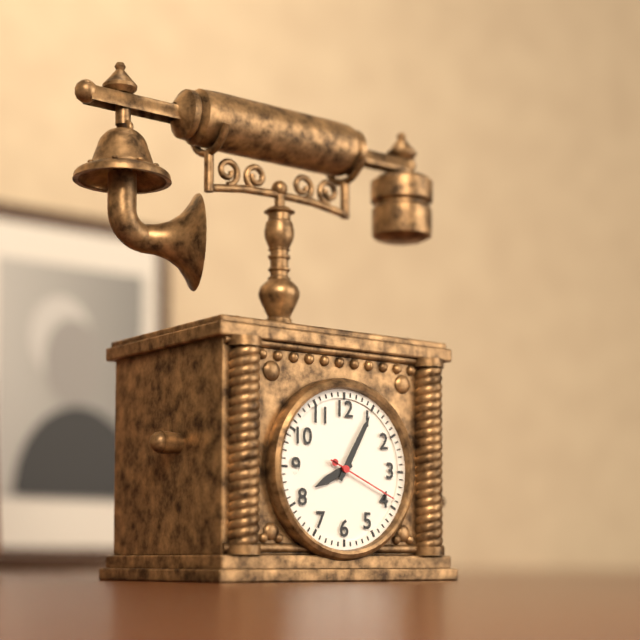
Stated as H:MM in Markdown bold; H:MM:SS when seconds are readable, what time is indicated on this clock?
**8:05:19**
